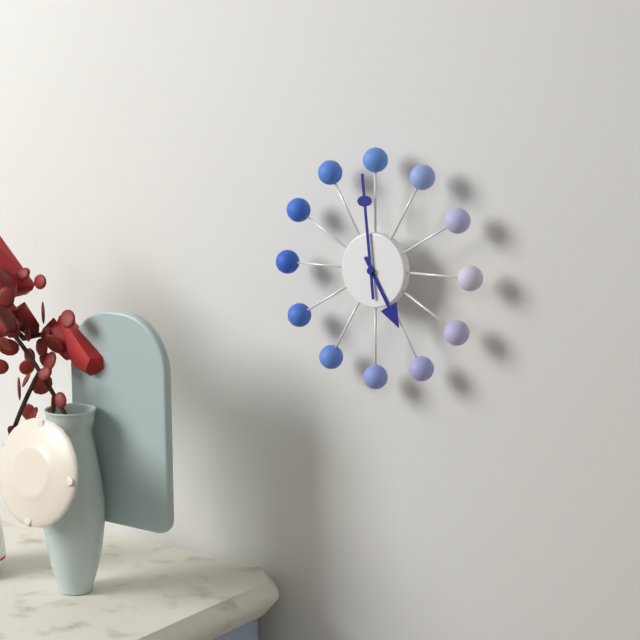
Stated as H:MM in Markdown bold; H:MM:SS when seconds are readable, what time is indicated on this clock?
**4:59**
